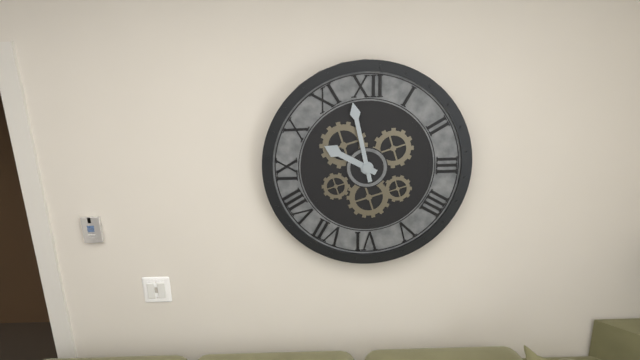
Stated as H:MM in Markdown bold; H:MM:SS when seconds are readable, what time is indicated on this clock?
**9:58**
